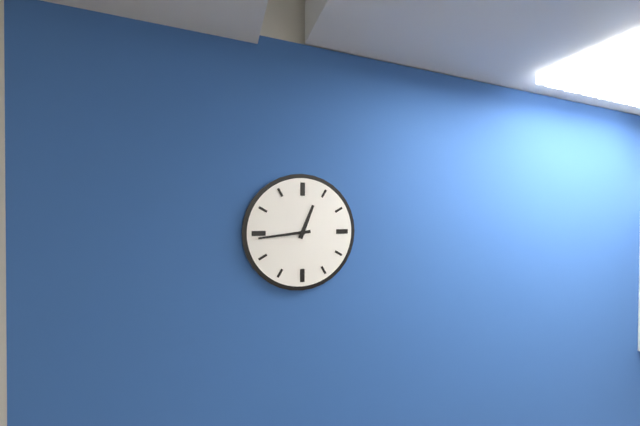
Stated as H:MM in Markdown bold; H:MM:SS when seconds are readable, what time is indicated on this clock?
**12:44**
